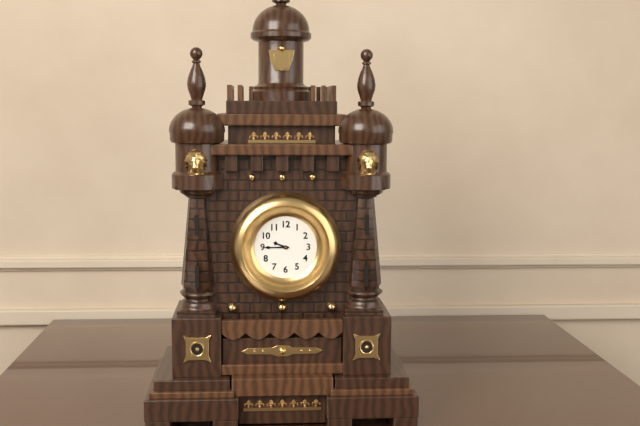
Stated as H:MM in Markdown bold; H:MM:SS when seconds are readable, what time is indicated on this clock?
**9:45**
